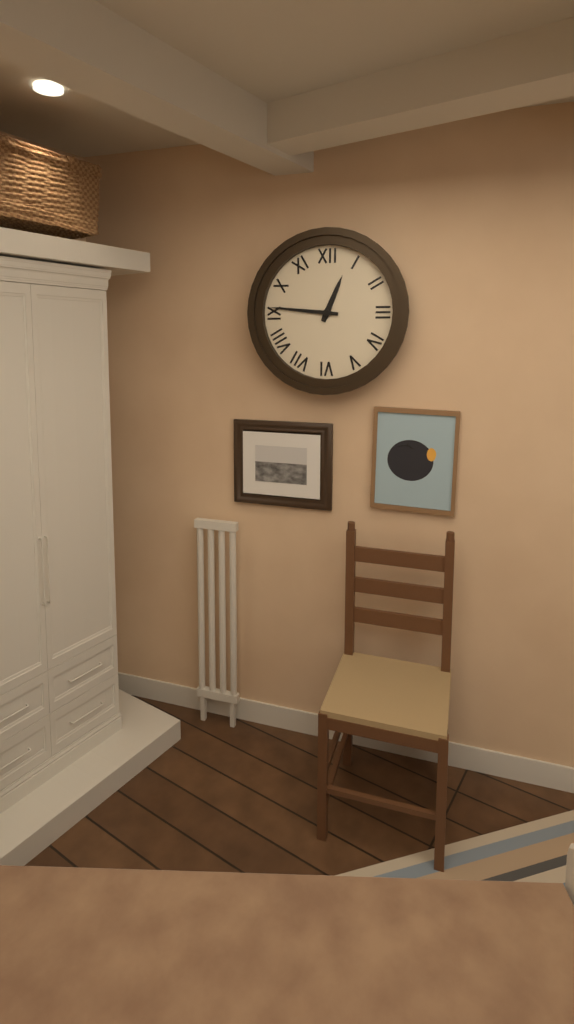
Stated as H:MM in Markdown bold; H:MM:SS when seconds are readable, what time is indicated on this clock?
**12:46**
